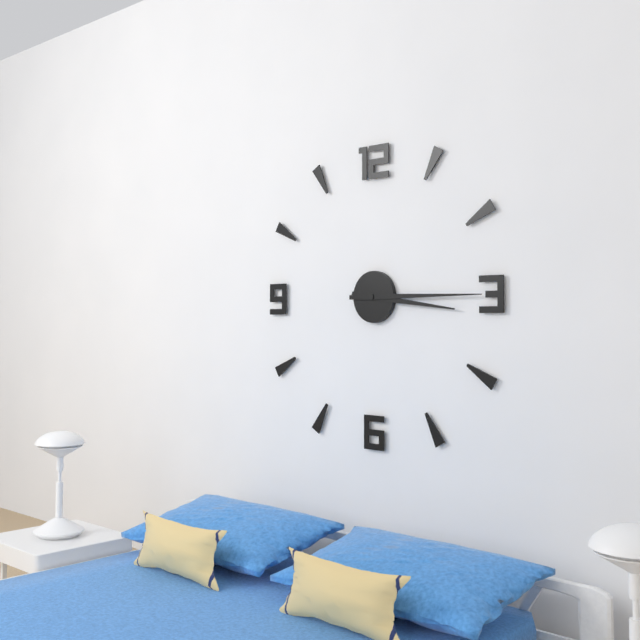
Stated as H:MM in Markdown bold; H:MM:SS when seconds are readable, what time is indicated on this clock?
**3:15**
